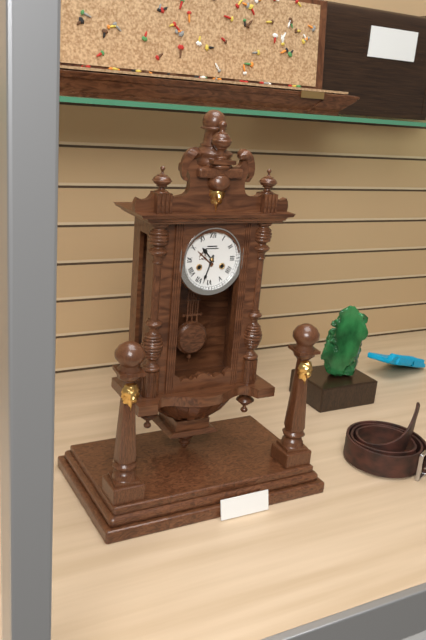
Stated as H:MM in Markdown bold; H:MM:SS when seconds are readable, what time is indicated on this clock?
**10:33**
